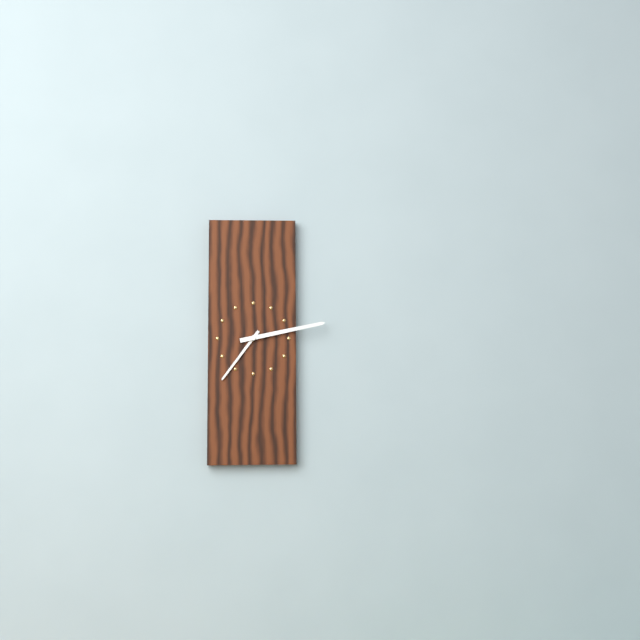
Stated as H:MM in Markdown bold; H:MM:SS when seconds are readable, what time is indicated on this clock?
**7:13**
